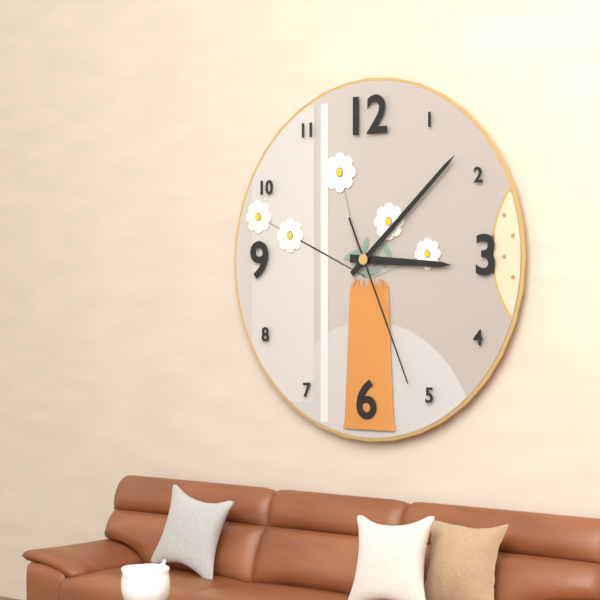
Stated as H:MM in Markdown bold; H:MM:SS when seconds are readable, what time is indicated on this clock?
**3:08:26**
